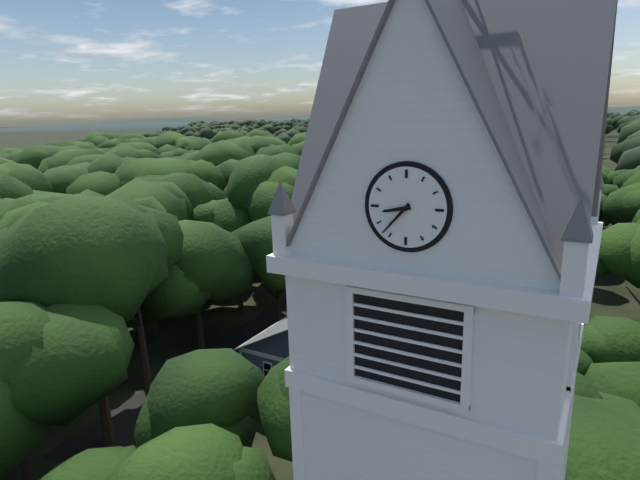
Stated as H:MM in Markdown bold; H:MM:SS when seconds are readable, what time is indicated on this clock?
**8:37**
